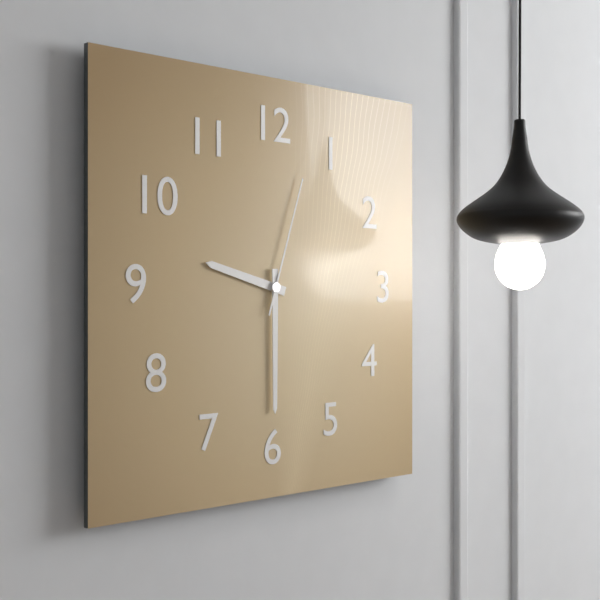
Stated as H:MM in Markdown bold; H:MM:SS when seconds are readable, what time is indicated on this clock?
**9:30:03**
